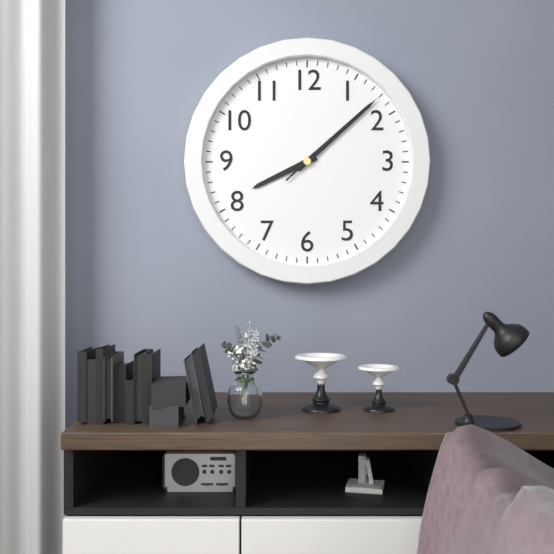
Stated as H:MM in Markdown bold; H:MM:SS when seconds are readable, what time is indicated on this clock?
**8:08:08**
